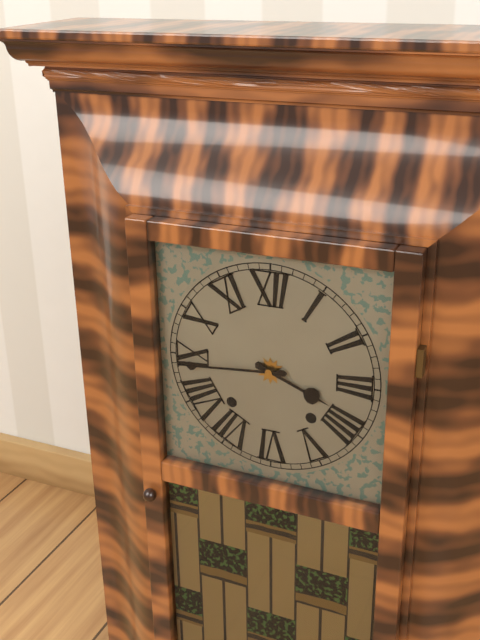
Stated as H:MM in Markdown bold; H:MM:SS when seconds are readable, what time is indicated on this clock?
**3:44**
